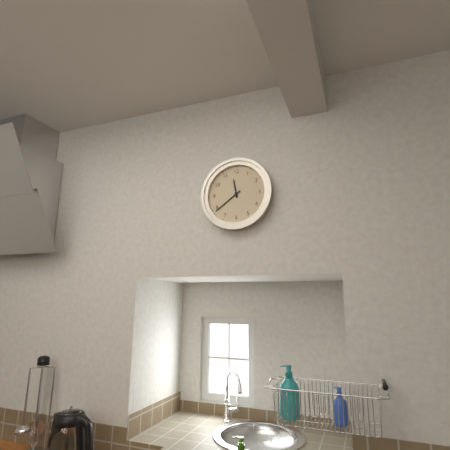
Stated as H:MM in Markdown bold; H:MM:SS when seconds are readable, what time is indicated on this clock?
**11:39**
